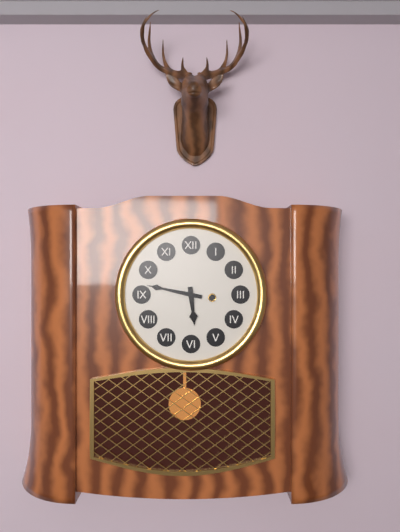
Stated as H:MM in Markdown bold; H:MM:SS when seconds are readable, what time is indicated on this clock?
**5:47**
